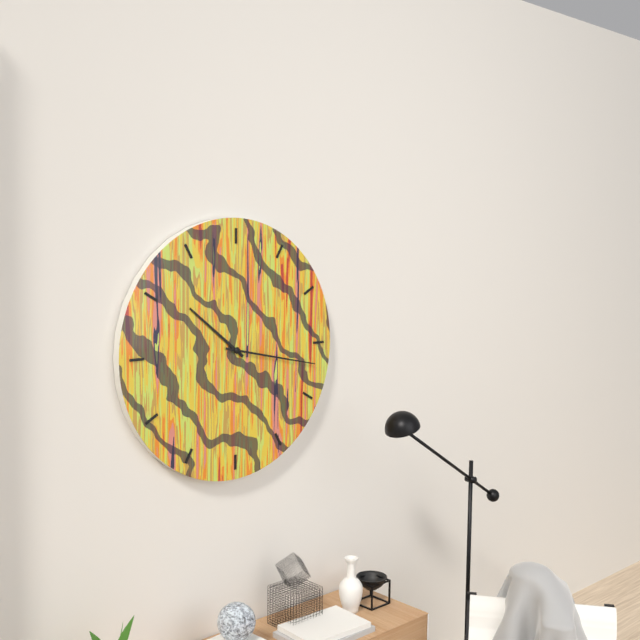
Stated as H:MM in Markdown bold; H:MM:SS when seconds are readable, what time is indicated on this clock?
**10:17**
